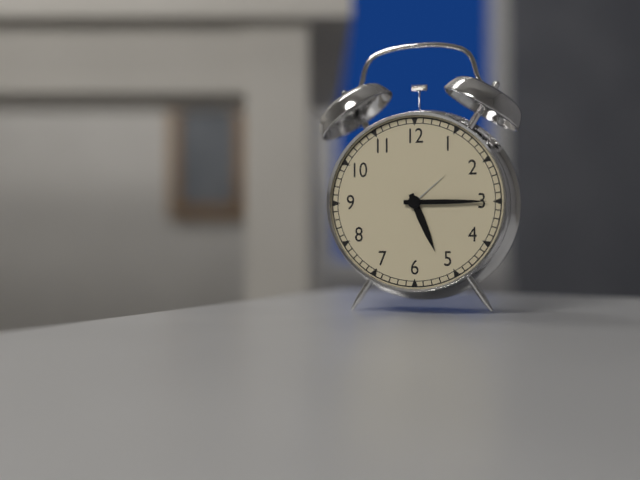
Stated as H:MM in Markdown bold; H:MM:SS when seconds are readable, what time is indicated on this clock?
**5:15**
